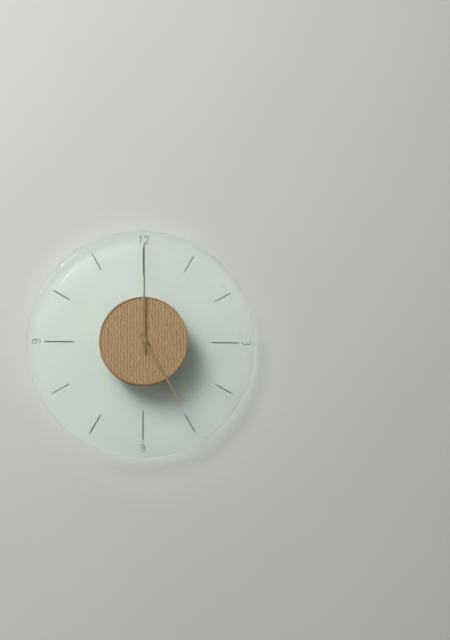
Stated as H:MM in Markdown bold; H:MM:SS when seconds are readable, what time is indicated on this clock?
**5:00**
